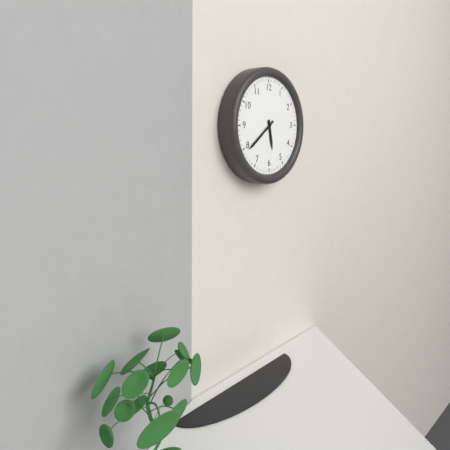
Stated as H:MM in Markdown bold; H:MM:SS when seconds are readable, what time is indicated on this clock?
**5:39**
